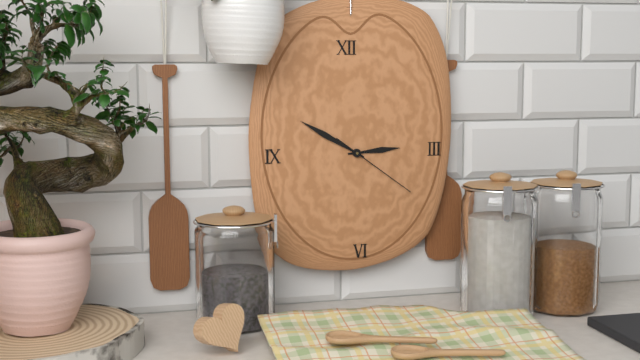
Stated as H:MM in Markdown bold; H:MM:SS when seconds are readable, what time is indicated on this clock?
**2:50:21**
